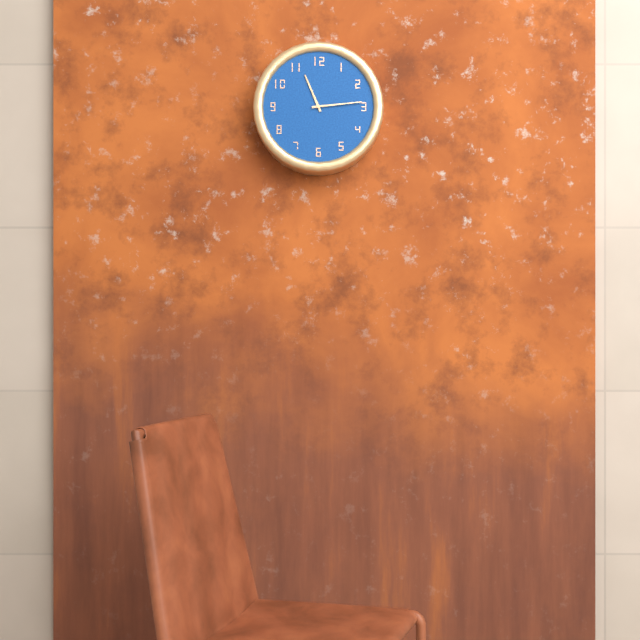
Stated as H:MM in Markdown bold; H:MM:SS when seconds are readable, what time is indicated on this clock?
**11:14**
